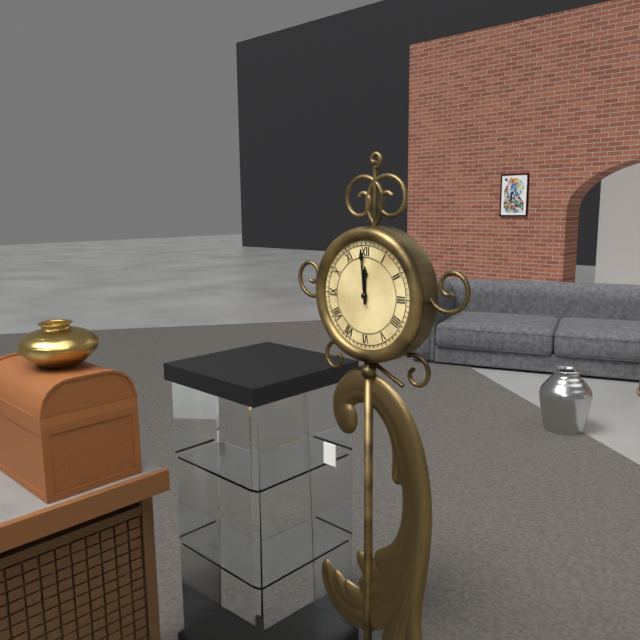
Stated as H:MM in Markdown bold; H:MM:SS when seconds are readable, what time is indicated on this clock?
**11:59**
